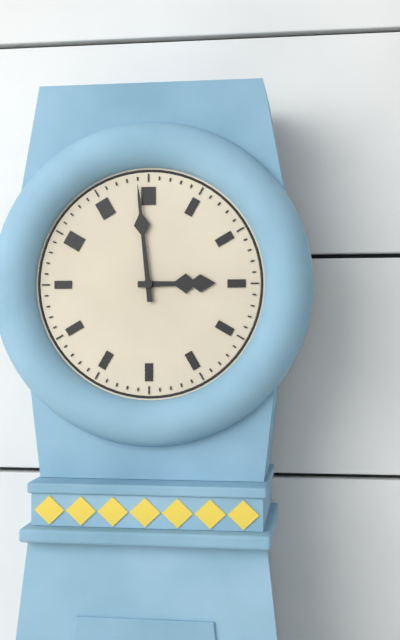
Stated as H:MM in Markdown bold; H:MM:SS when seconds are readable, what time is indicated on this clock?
**2:59**
